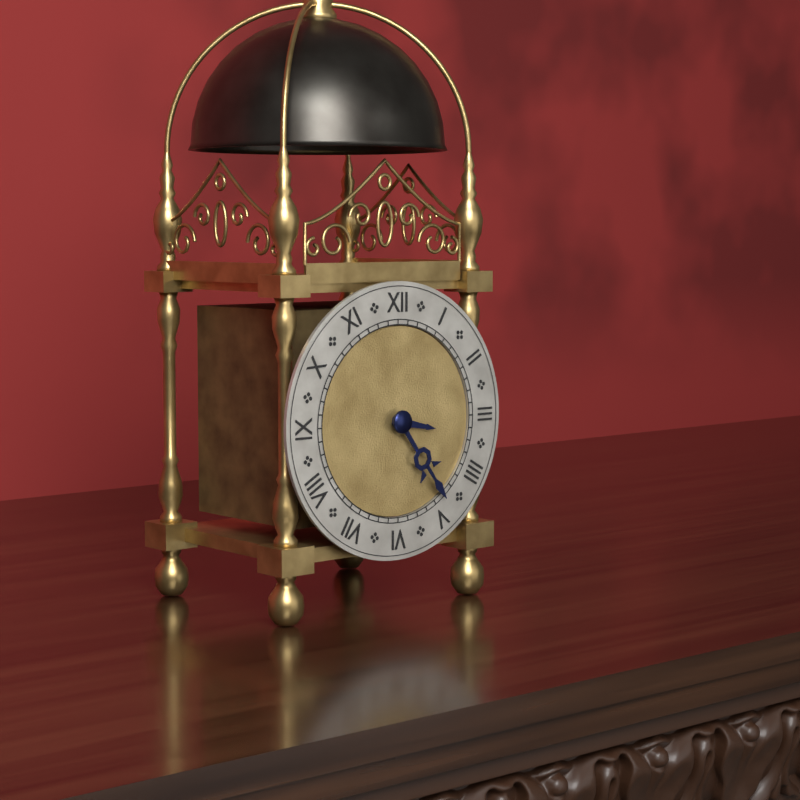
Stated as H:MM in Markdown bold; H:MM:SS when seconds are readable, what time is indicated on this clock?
**3:24**
